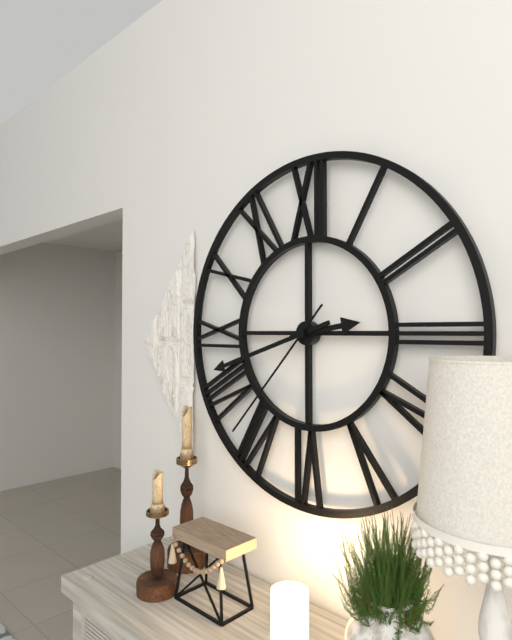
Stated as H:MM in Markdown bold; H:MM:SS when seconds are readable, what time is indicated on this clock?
**2:42:37**
